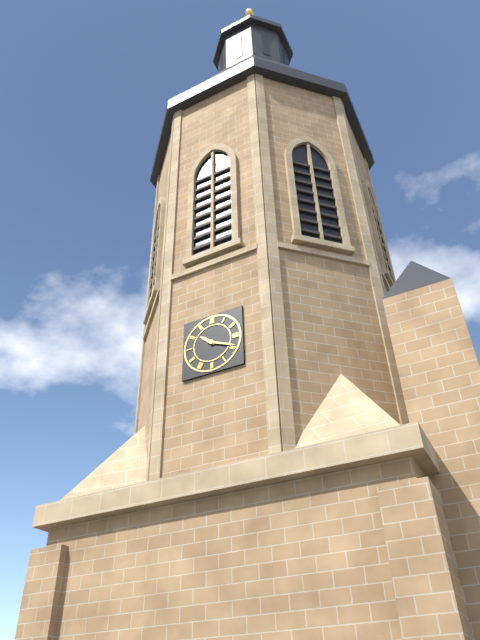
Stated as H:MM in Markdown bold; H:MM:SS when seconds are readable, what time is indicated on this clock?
**10:19**
